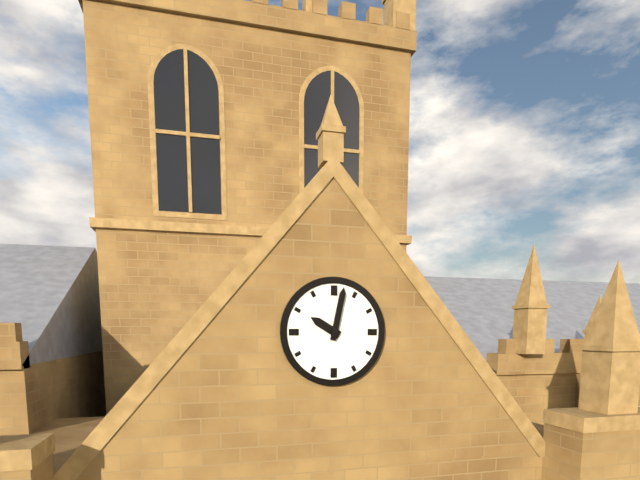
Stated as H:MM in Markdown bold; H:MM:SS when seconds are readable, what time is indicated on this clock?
**10:02**
